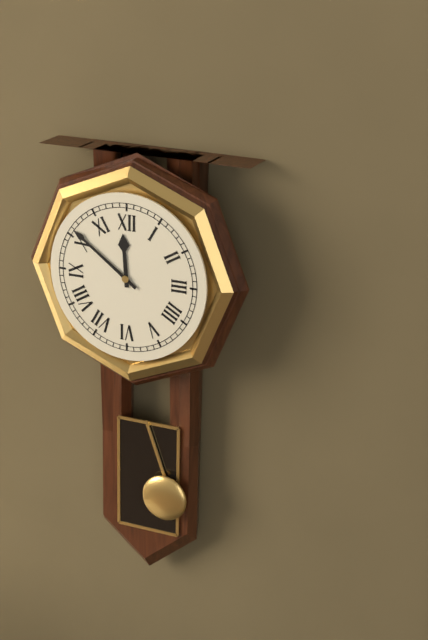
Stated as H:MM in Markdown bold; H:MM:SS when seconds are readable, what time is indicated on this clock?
**11:51**
